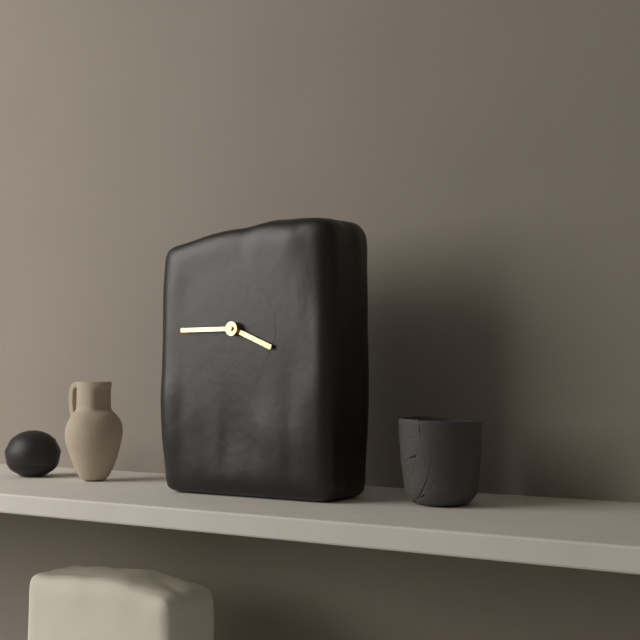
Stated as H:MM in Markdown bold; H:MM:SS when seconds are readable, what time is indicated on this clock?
**3:45**
